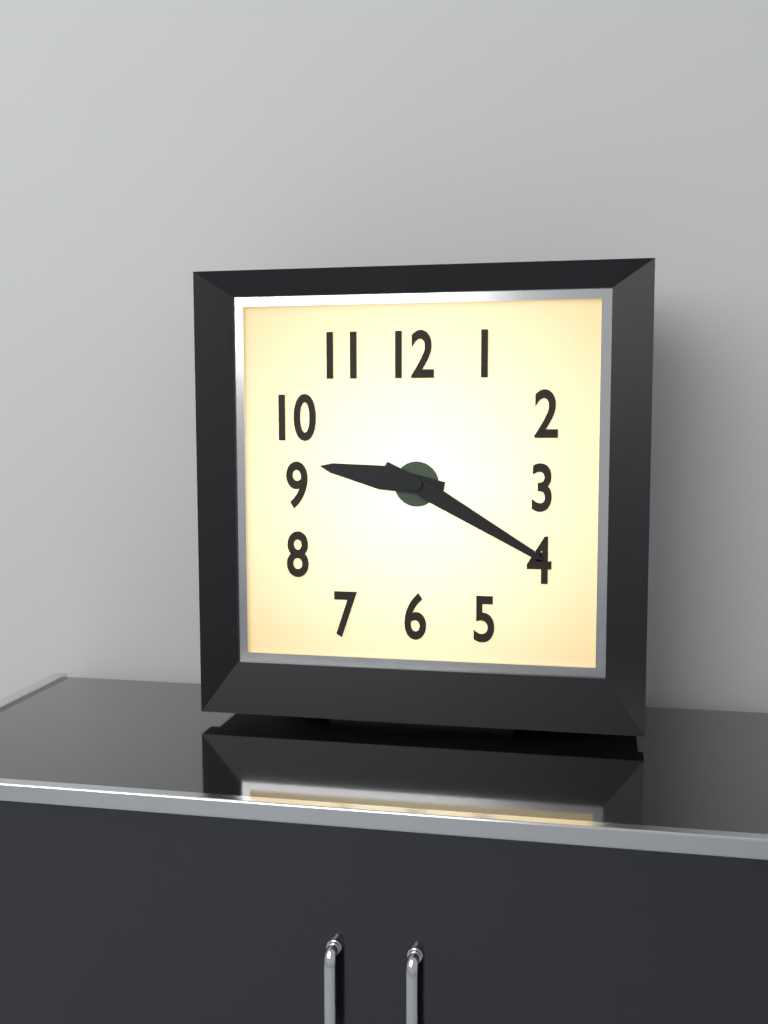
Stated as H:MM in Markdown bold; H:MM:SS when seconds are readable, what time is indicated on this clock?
**9:20**
